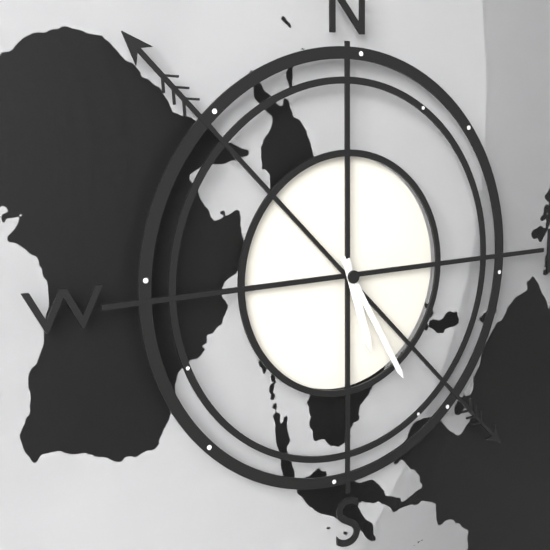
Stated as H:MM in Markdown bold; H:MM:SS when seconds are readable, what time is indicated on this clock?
**5:25**
